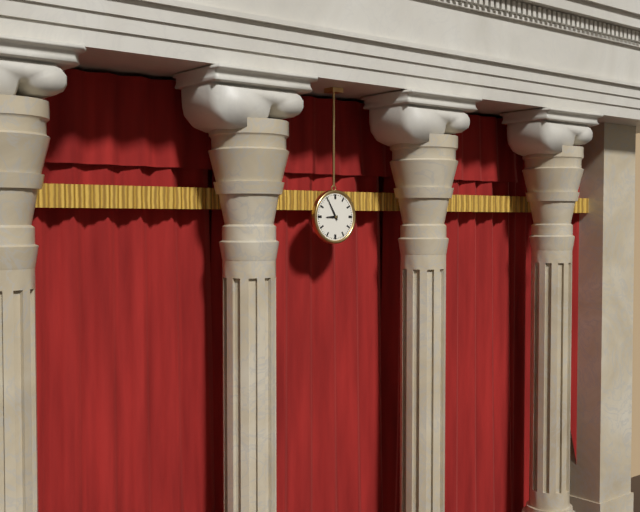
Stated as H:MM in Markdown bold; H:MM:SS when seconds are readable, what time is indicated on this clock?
**8:55**
